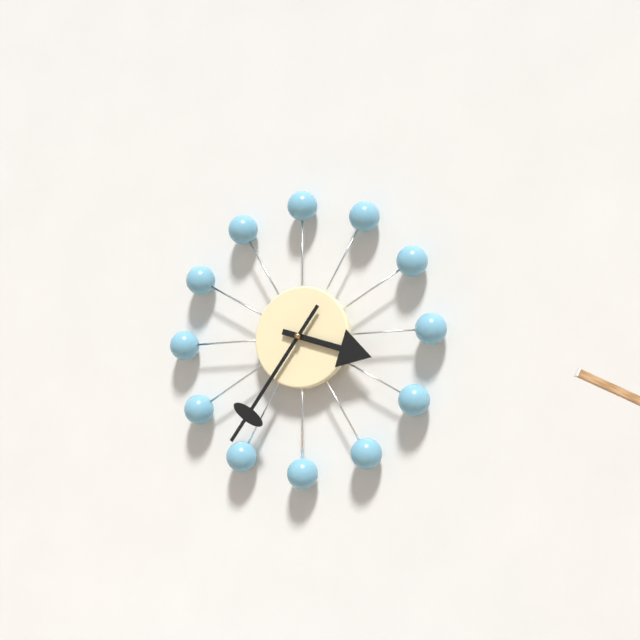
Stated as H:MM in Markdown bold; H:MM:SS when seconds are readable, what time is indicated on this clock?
**3:36**
